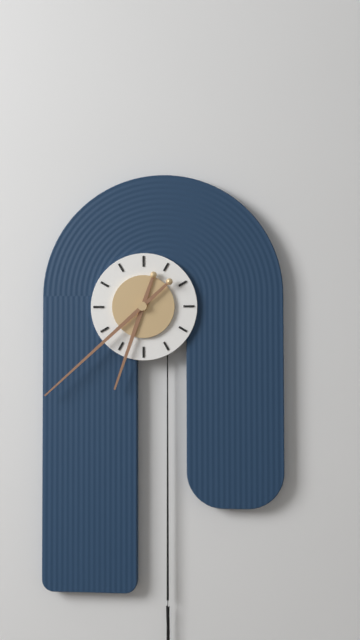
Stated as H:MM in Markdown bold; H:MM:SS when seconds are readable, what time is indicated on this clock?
**6:38**
